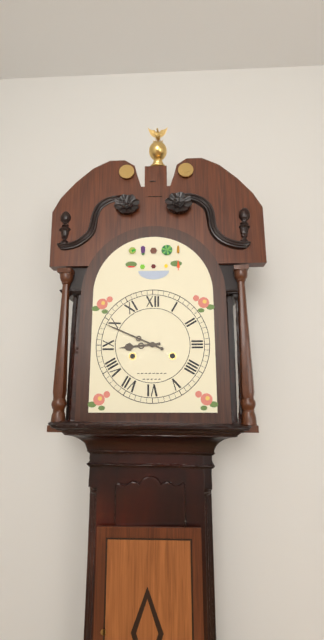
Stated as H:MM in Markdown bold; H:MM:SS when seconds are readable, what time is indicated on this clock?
**8:49**
